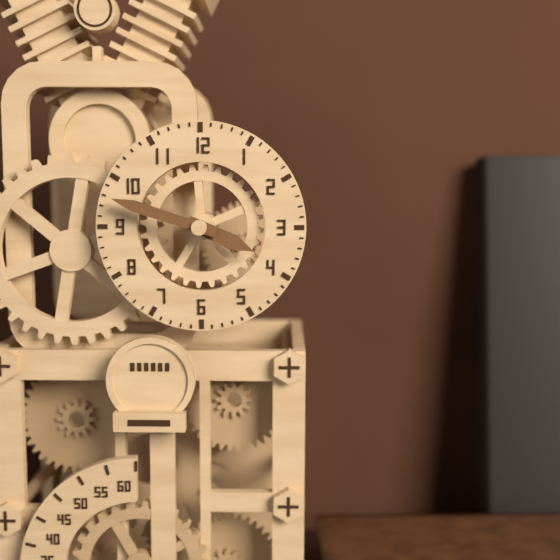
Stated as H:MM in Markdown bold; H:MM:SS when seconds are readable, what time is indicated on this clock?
**3:48**
